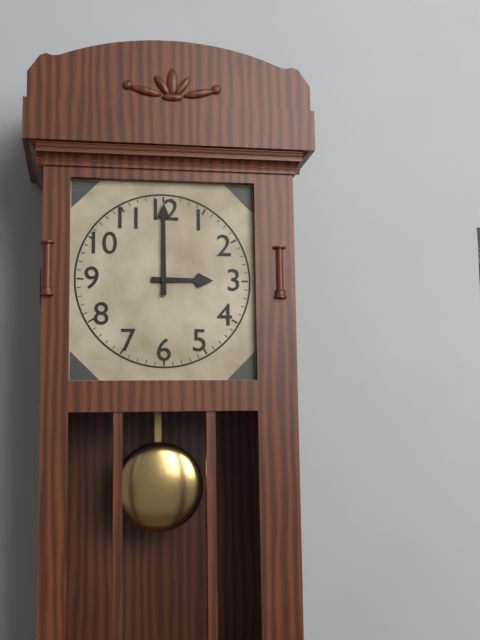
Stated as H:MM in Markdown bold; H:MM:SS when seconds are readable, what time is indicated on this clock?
**3:00**
